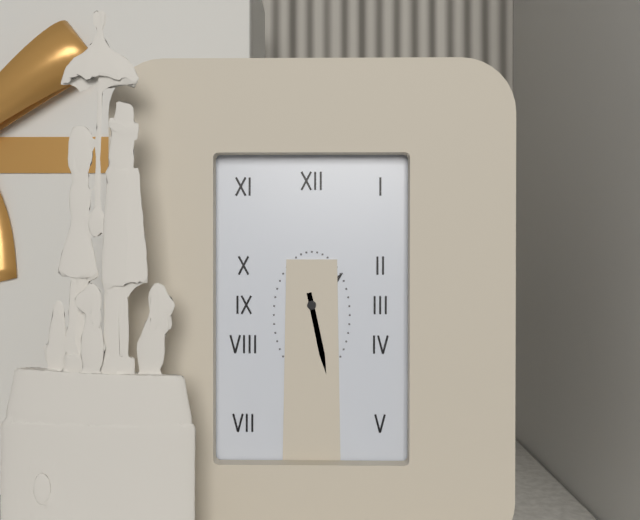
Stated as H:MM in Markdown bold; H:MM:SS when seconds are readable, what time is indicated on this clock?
**1:28**
